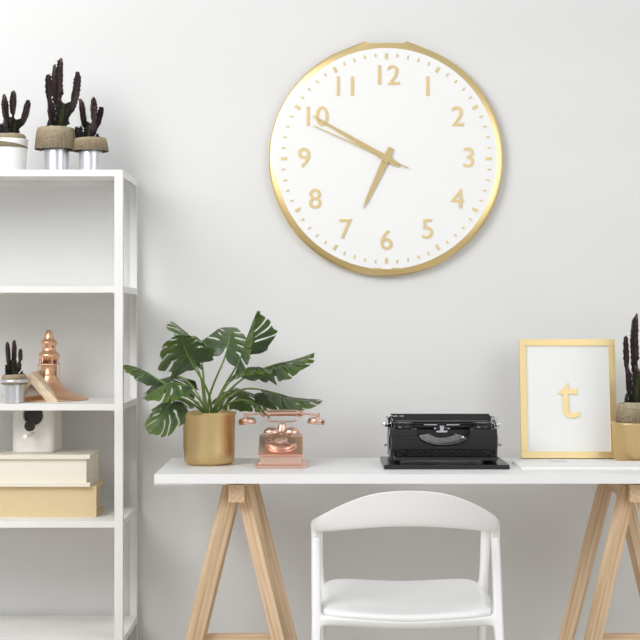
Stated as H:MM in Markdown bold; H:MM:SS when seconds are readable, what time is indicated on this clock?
**6:50:49**
